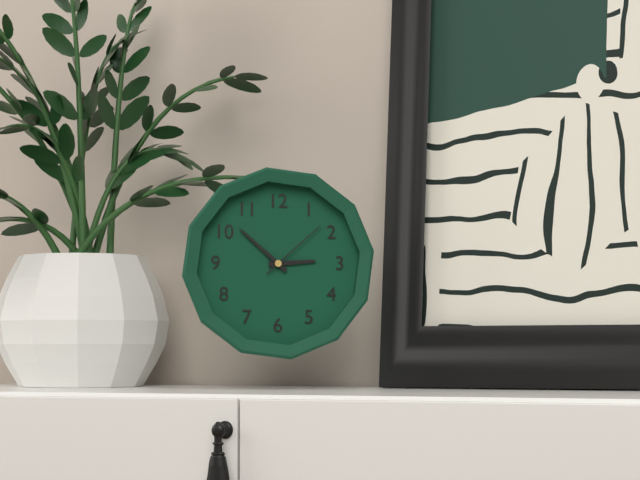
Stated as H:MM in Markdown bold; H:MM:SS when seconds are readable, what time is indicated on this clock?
**2:52:08**
